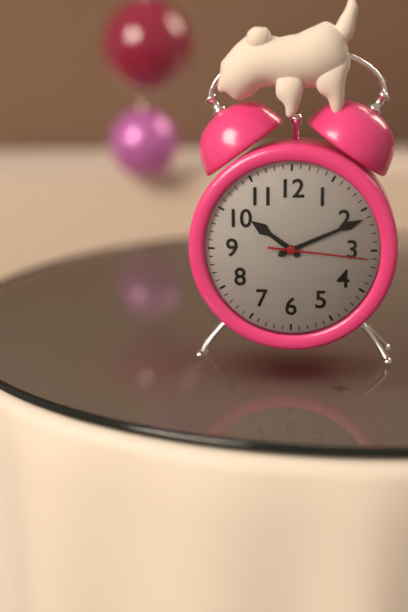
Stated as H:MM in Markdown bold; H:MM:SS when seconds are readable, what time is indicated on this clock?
**10:11:16**
